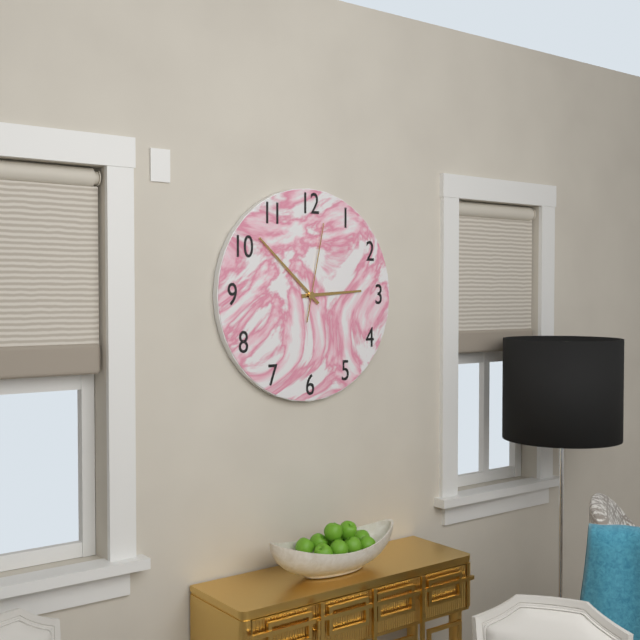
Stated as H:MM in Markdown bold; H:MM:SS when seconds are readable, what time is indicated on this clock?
**2:52:02**
